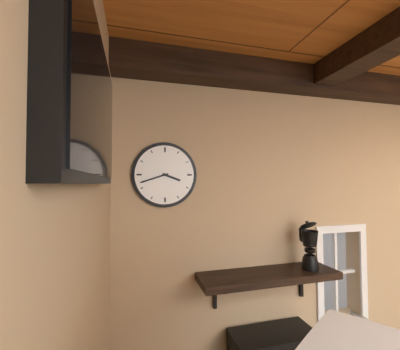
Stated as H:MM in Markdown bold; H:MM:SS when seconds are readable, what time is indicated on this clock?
**3:42**
